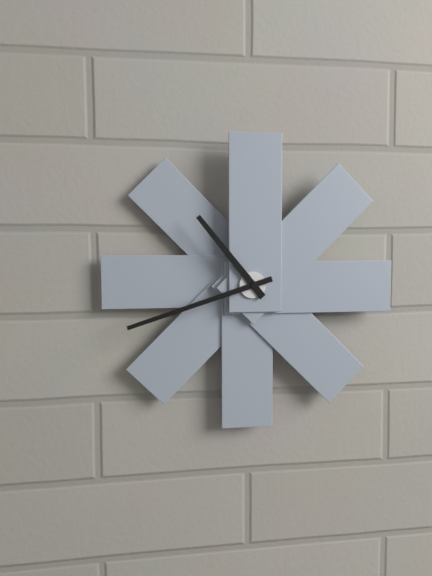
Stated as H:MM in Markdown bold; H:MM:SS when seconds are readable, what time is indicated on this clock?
**10:42**
